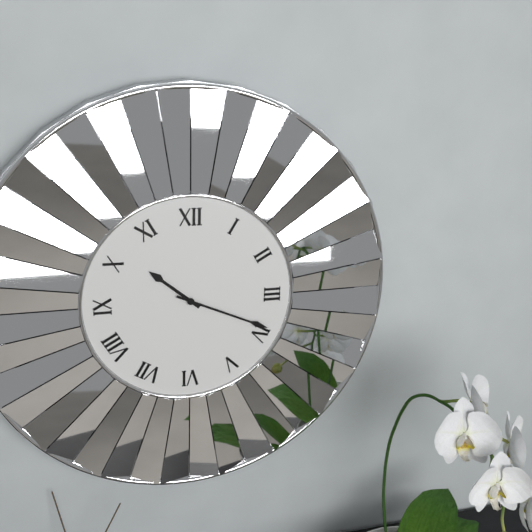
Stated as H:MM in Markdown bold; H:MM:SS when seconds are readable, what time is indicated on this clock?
**10:19**
